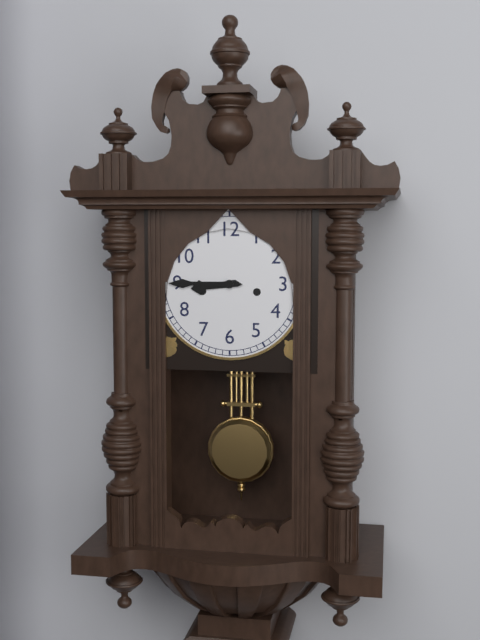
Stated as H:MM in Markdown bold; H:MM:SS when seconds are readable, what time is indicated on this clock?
**8:45**
